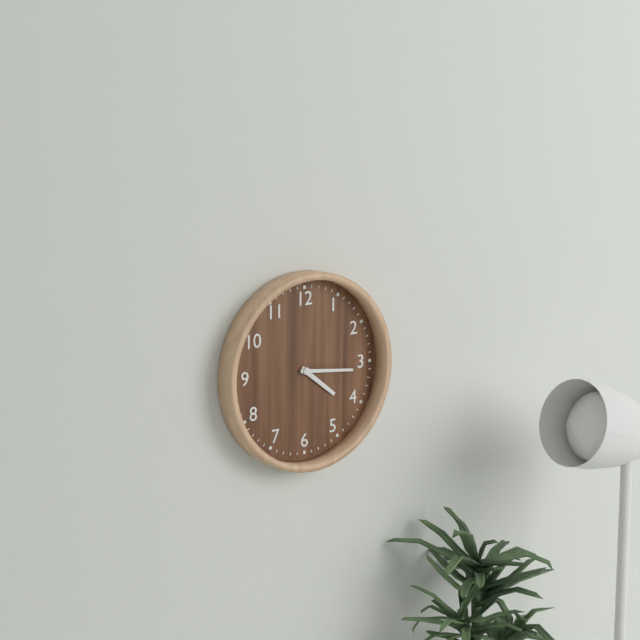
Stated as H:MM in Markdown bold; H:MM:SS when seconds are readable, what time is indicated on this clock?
**4:16**
